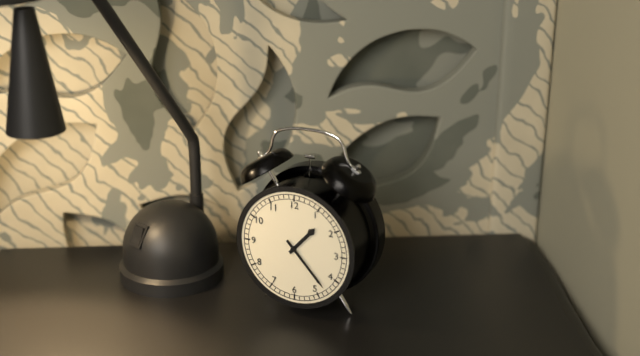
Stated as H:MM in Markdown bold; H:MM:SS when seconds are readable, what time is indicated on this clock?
**1:23**
